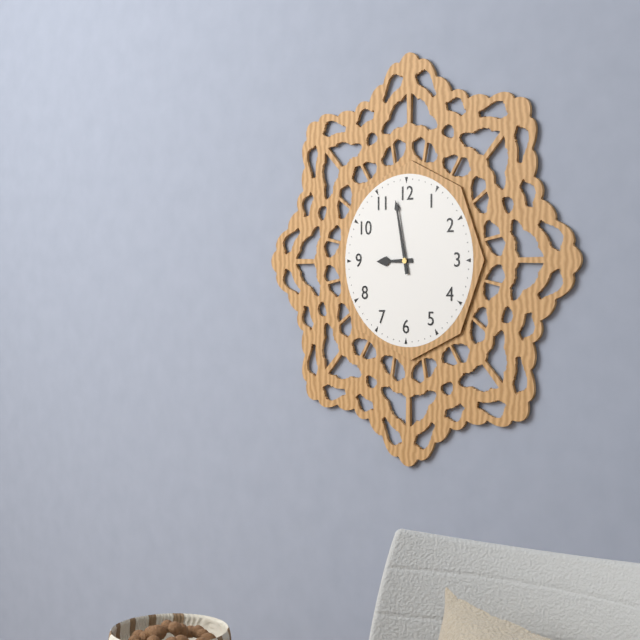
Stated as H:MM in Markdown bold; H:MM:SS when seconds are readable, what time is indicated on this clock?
**8:58**
